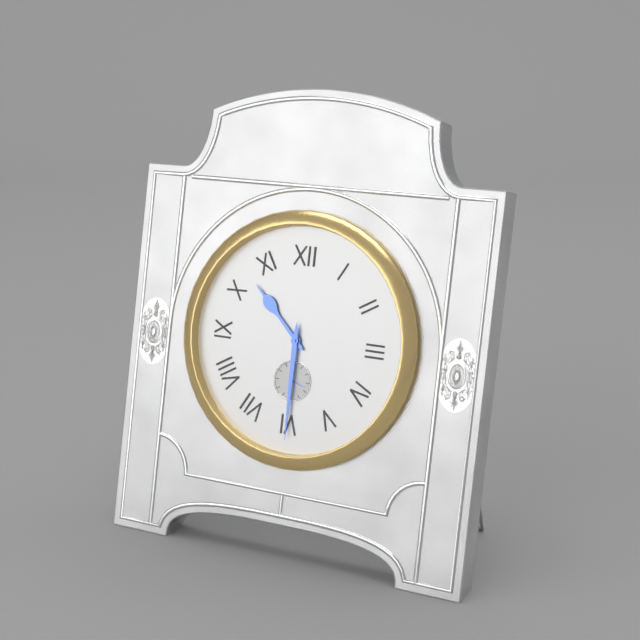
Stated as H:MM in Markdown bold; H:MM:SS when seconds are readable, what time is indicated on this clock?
**10:30**
